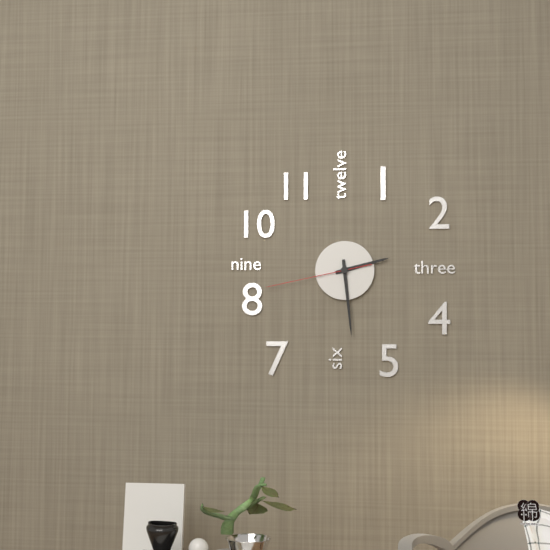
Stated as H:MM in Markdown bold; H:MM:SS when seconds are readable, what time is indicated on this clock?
**2:29:43**
